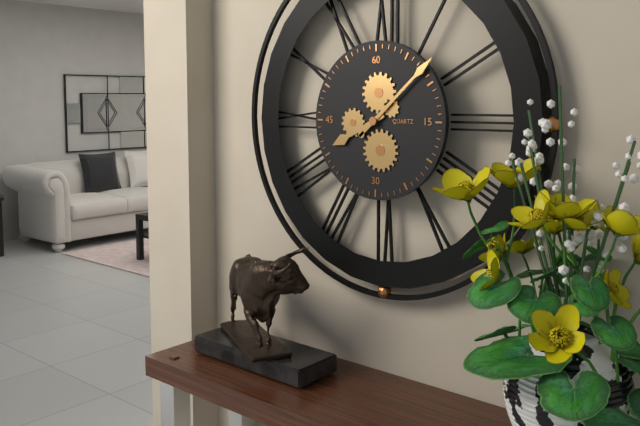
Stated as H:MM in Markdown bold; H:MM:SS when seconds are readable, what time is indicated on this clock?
**8:08**
